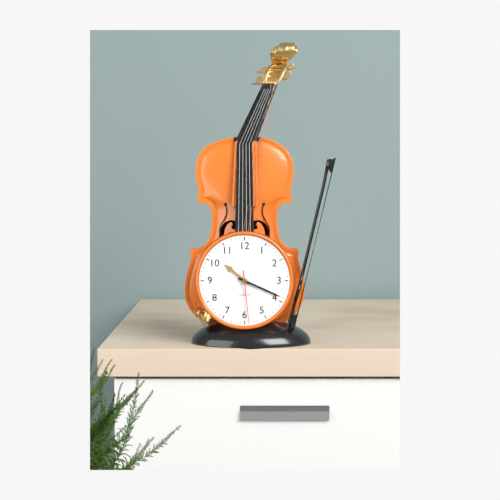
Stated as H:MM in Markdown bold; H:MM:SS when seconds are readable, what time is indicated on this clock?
**10:19:29**
